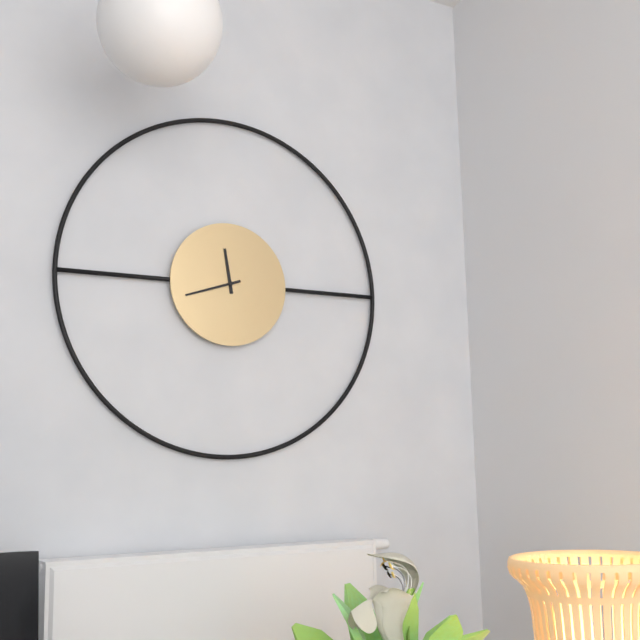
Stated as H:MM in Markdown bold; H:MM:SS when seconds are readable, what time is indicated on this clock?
**11:42**
